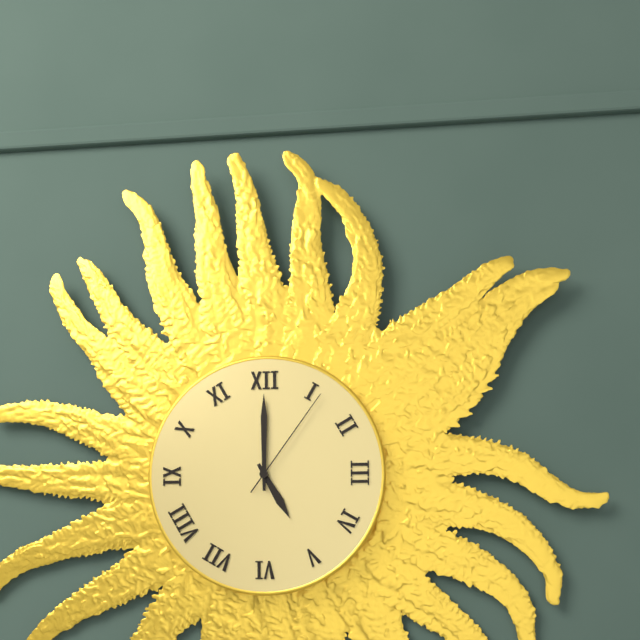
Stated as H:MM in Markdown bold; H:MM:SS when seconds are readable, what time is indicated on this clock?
**5:00:06**
